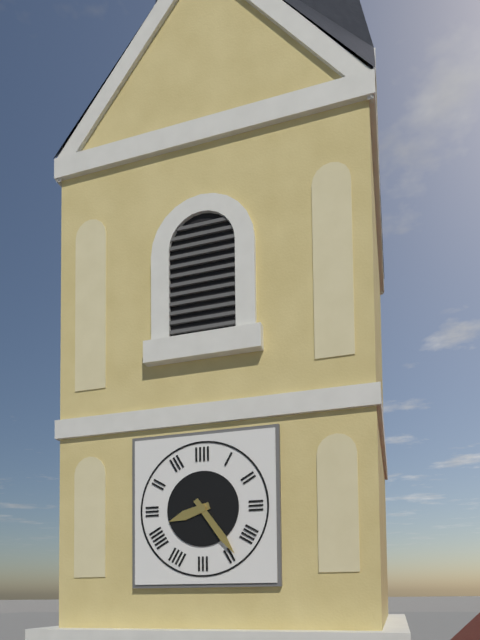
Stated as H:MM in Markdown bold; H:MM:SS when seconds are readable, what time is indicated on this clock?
**8:24**
